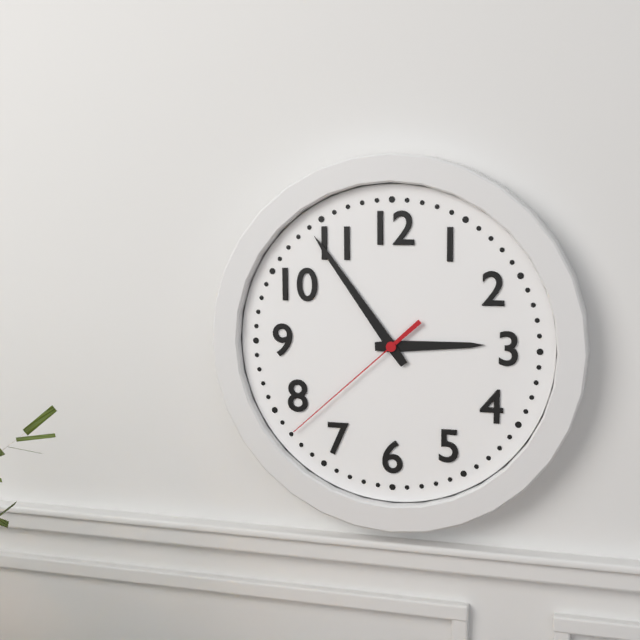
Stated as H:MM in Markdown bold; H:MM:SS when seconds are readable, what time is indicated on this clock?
**2:54:38**
